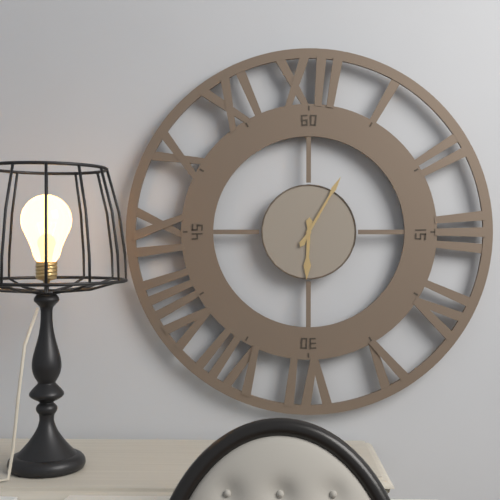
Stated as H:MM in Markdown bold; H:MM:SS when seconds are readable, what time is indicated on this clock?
**6:05**
